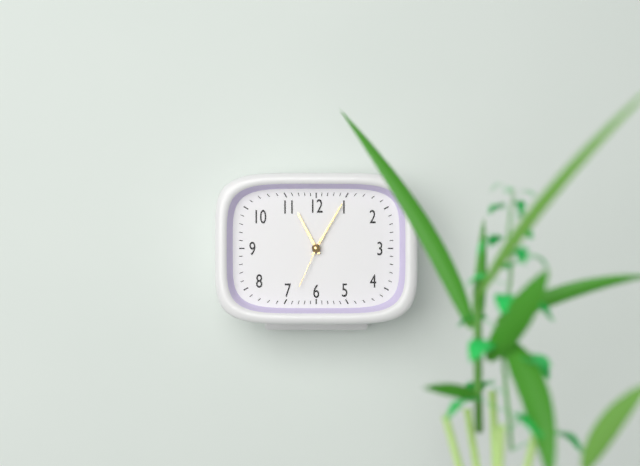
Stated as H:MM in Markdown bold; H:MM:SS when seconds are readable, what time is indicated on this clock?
**11:05:34**
